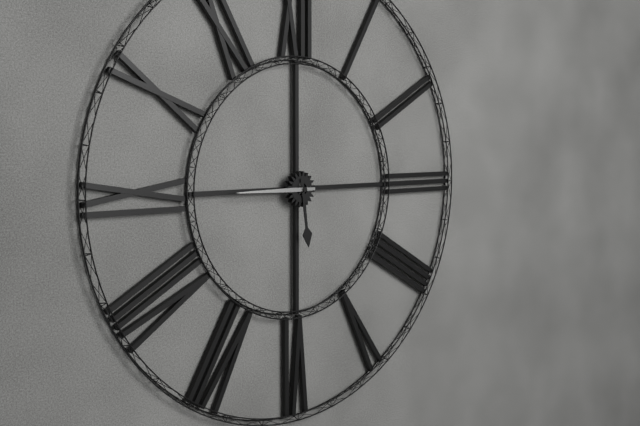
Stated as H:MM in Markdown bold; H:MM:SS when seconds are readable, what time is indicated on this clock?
**5:45**
